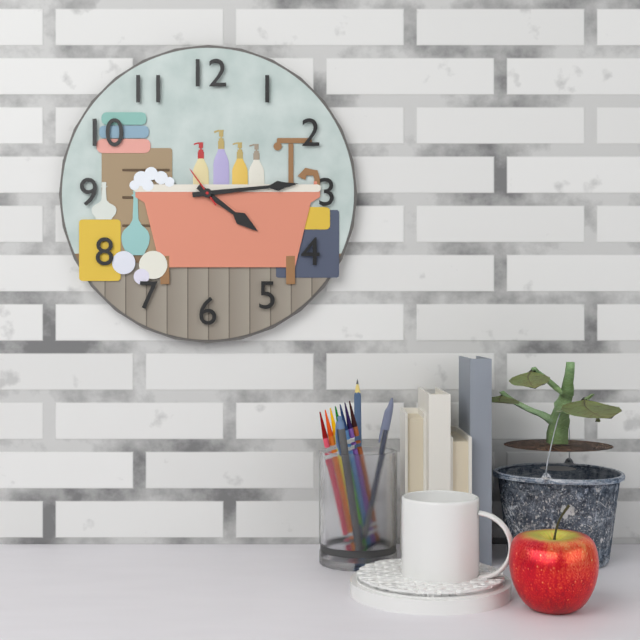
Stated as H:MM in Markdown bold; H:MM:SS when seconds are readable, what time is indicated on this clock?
**4:14**
